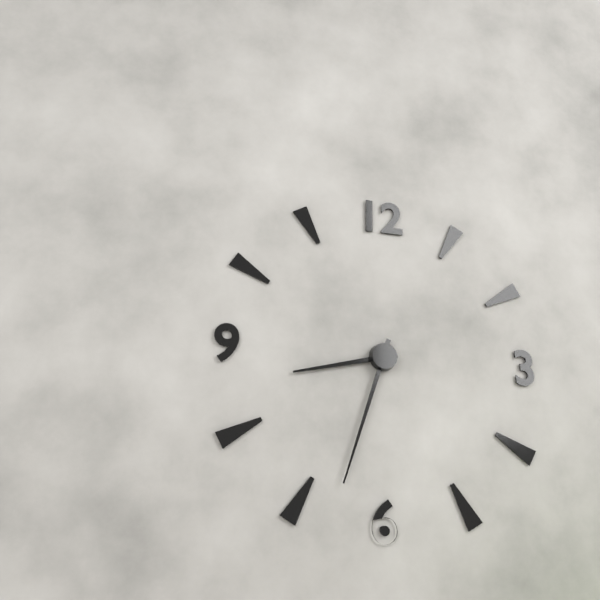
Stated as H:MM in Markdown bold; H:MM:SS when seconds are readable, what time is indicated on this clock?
**8:33**
